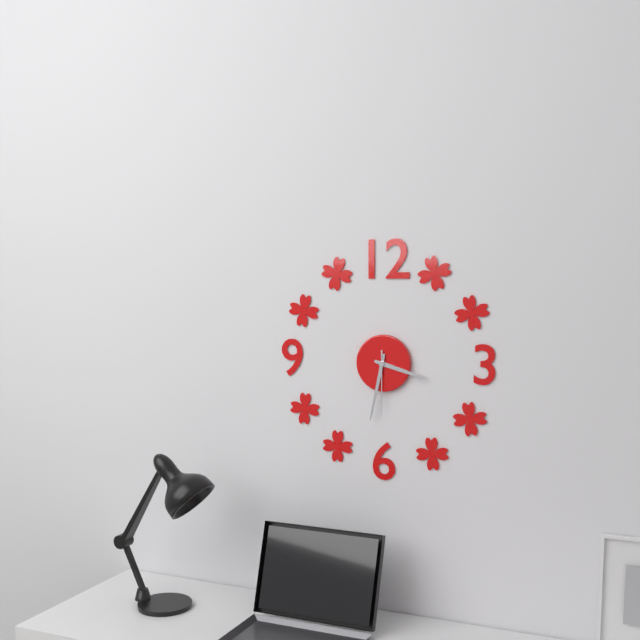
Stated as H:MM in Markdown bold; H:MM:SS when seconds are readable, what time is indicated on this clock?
**3:32:30**
